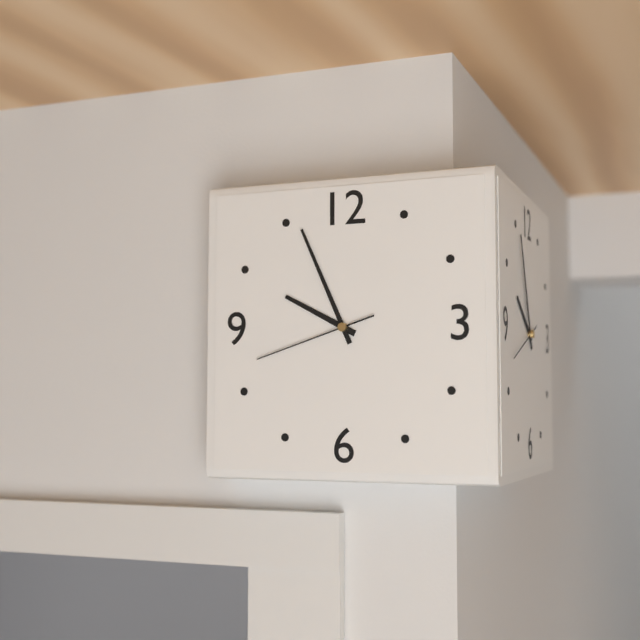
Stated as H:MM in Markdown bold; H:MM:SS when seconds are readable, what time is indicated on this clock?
**9:56:42**
